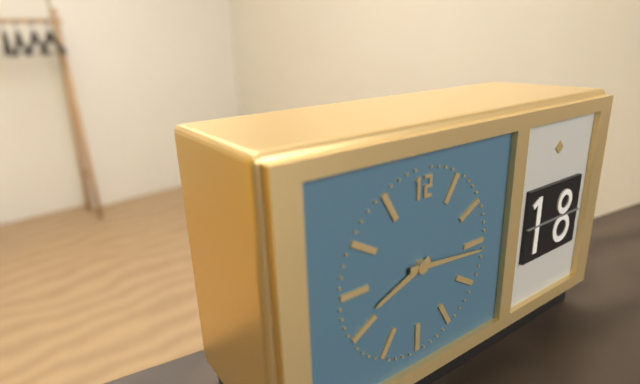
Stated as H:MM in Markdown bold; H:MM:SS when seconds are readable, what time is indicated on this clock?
**8:16**
